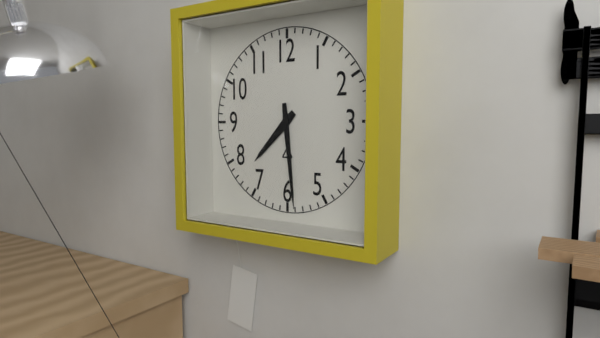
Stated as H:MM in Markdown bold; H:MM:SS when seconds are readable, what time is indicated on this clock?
**7:29**
